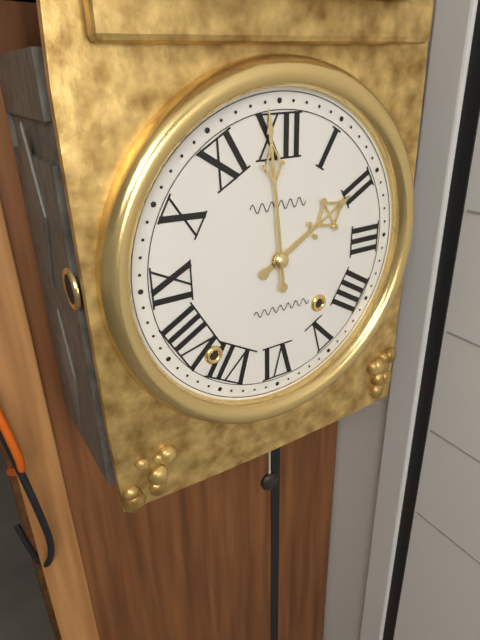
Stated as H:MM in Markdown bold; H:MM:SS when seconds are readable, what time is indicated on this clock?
**1:59**
